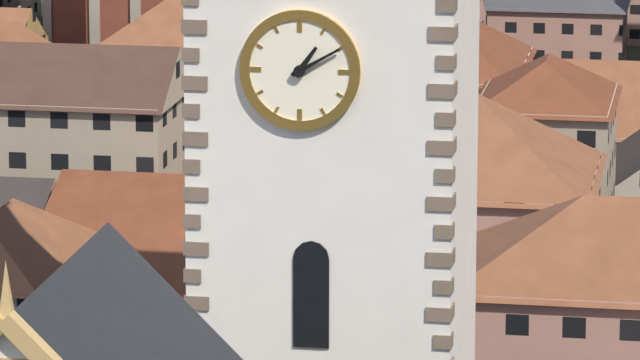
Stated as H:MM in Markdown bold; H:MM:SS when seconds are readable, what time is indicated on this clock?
**1:10**
